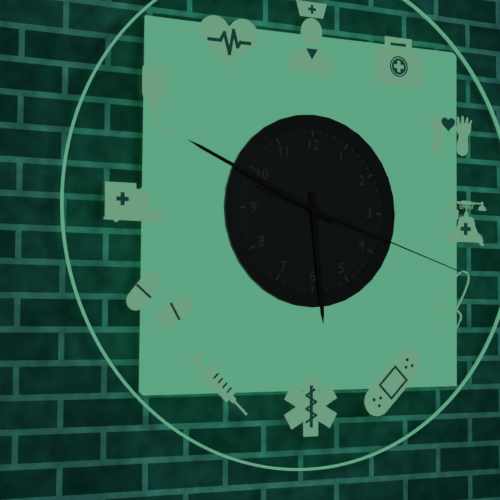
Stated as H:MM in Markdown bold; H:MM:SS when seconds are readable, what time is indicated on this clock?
**5:49:18**
